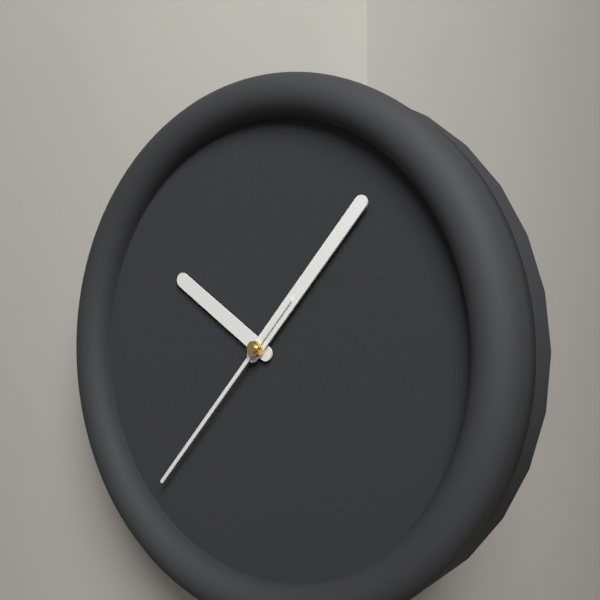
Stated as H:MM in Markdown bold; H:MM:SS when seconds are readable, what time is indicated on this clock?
**10:07:37**
